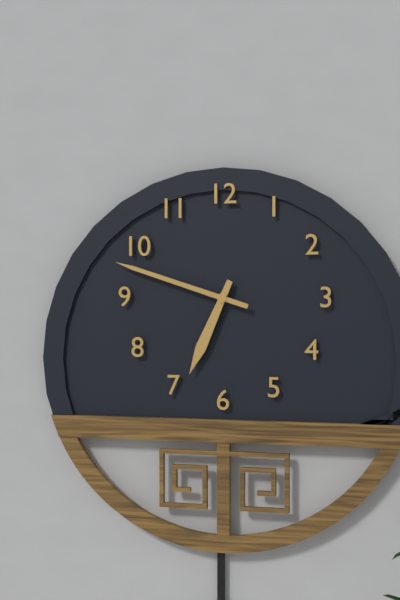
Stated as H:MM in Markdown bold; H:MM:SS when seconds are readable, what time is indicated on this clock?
**6:48**
